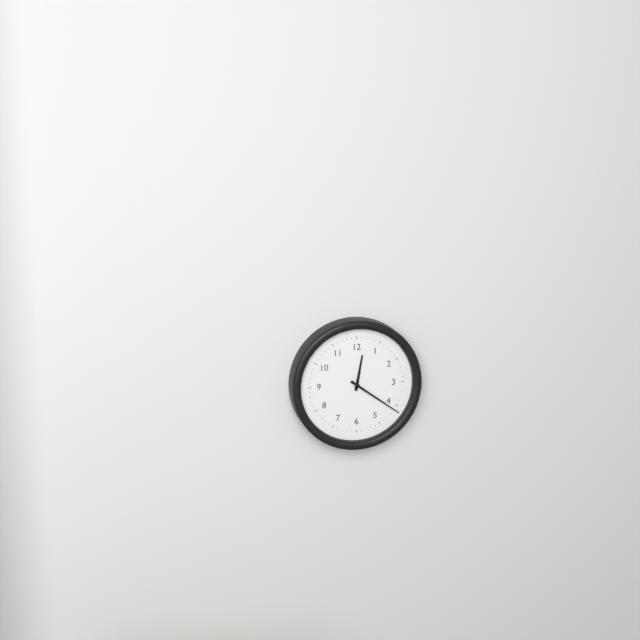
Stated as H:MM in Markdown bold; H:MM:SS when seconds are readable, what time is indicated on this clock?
**12:21**
